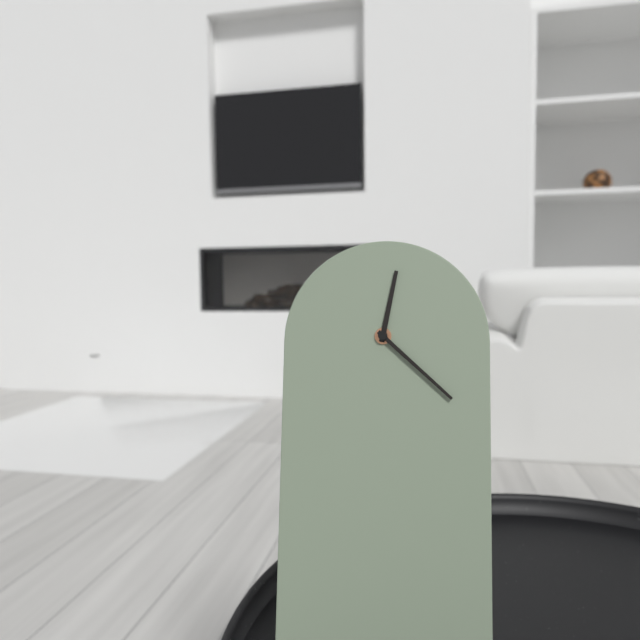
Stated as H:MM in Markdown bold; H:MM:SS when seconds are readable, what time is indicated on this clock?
**12:22**
